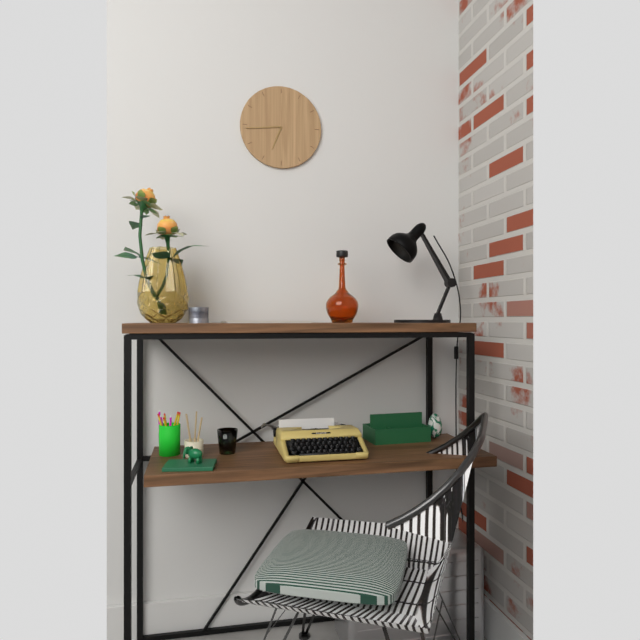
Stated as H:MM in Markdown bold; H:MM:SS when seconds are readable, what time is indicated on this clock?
**6:44**
